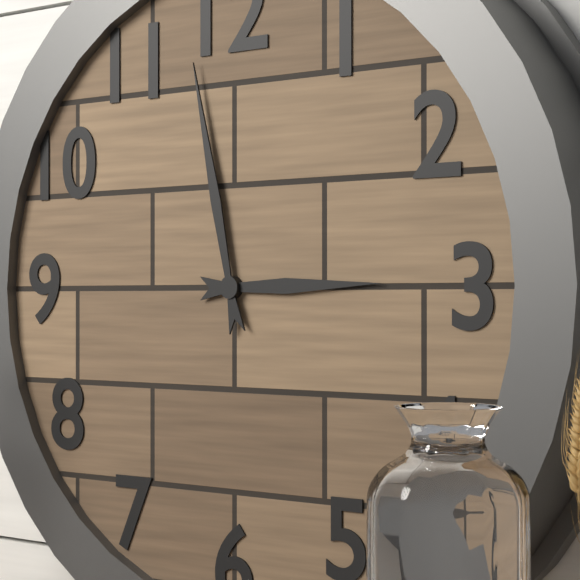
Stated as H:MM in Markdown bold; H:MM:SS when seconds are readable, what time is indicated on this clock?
**2:58**
